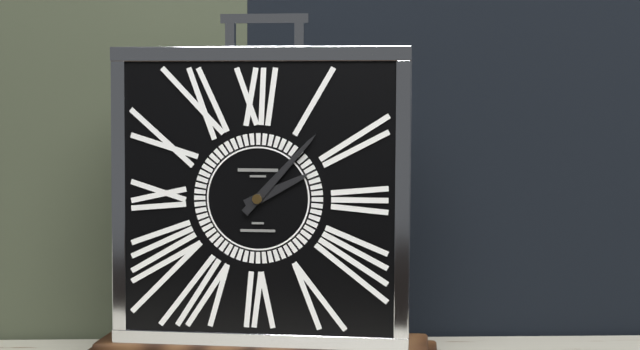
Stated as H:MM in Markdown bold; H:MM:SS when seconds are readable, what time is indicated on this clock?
**2:07**
